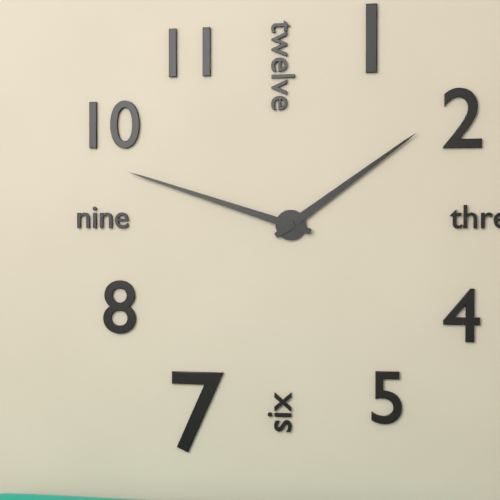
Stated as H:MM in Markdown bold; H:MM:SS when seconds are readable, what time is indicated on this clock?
**1:48**
